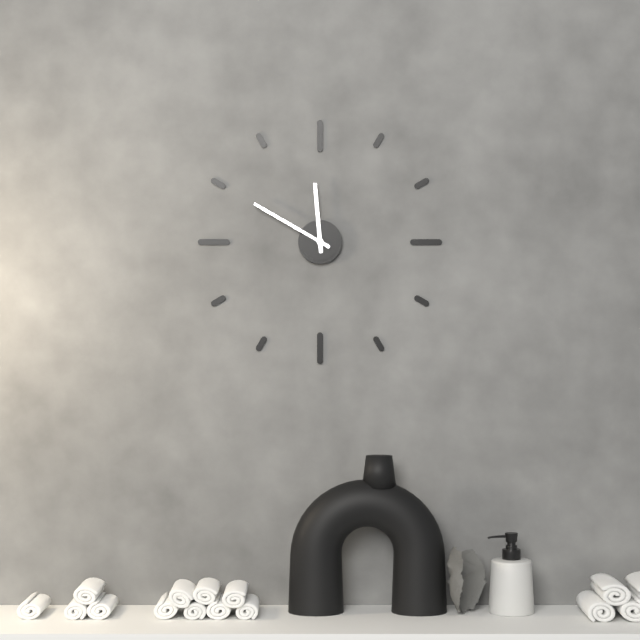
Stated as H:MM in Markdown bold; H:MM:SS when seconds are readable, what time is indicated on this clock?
**11:50**
